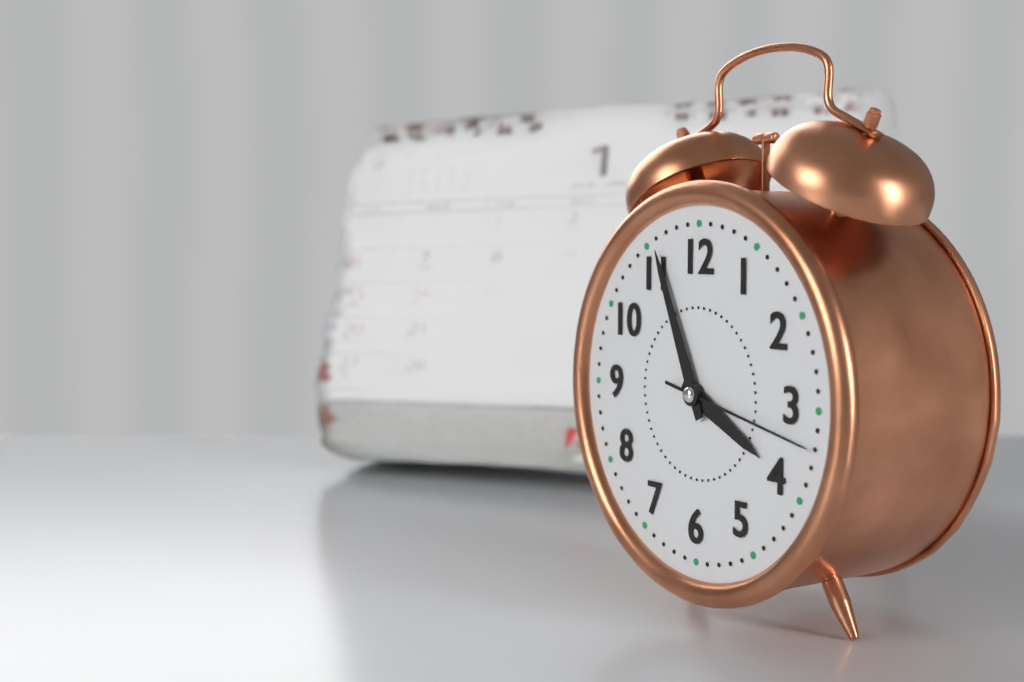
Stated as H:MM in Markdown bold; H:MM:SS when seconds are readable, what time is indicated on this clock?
**3:56:17**
